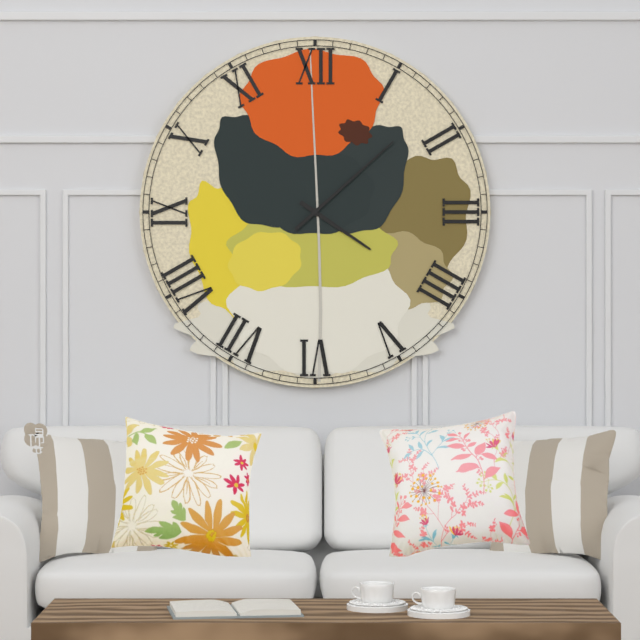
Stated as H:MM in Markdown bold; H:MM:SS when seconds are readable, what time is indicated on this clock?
**4:08**
